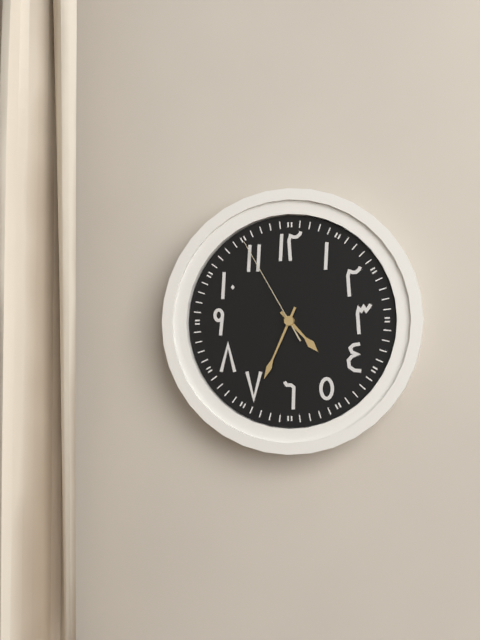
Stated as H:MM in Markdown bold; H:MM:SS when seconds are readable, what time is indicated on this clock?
**4:34:55**
